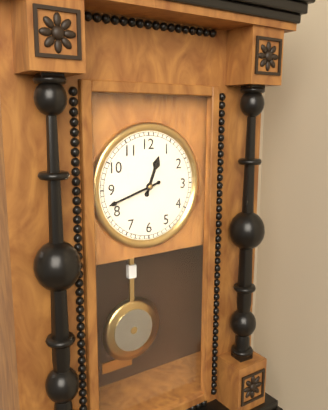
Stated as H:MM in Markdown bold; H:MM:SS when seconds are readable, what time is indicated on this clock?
**12:42**
